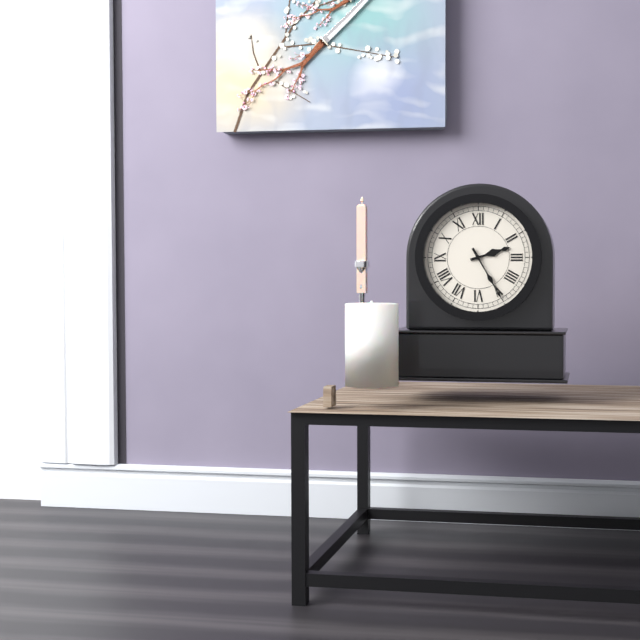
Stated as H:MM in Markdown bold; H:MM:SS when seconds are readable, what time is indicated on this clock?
**2:25**
